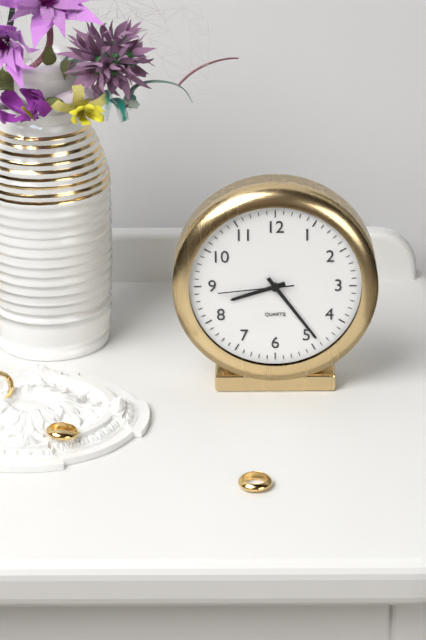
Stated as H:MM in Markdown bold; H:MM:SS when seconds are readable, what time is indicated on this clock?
**8:24:44**
